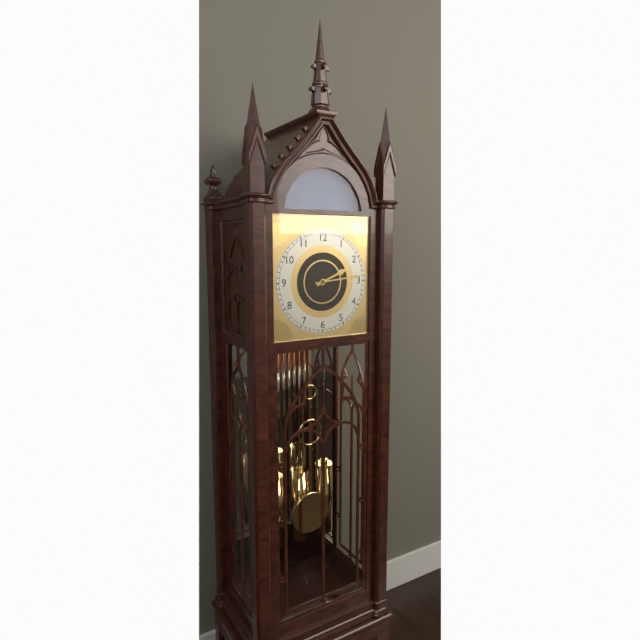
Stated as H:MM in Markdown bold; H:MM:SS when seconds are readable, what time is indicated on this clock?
**2:14**
